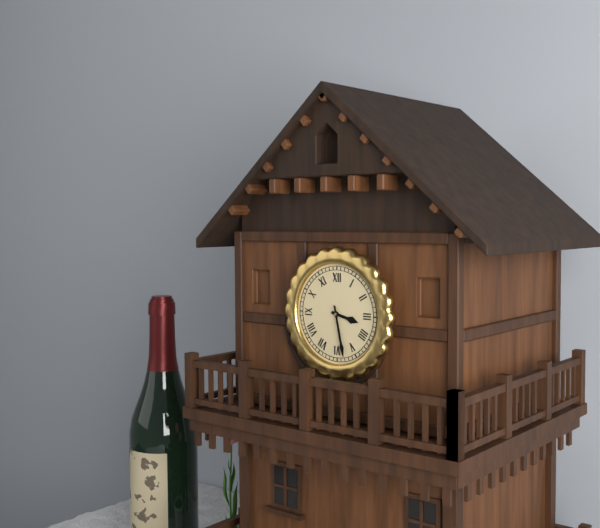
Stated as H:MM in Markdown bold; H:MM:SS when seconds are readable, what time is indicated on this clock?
**3:28**
